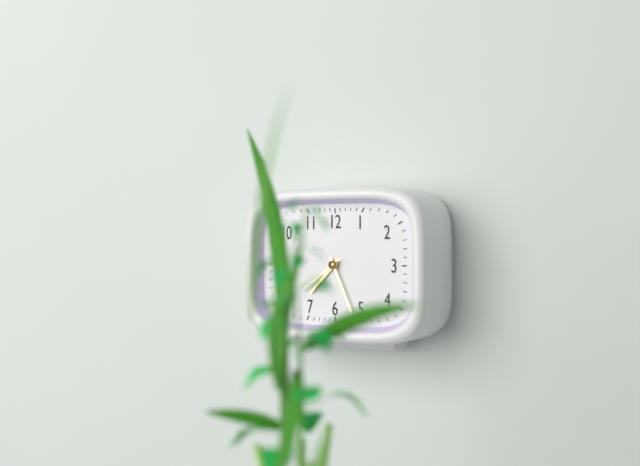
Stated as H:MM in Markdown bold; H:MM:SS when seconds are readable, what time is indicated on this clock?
**7:26**
